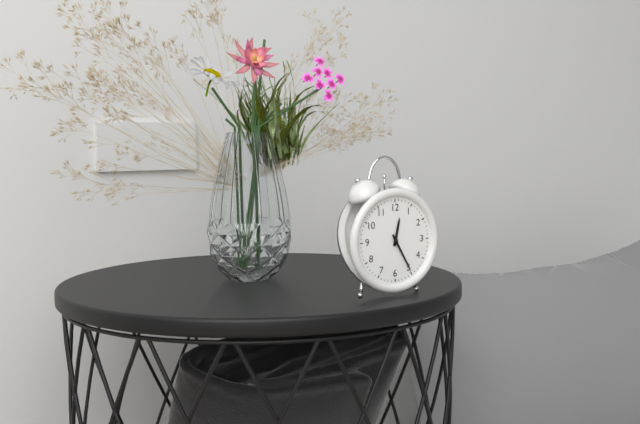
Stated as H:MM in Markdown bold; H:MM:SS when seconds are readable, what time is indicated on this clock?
**12:25**
